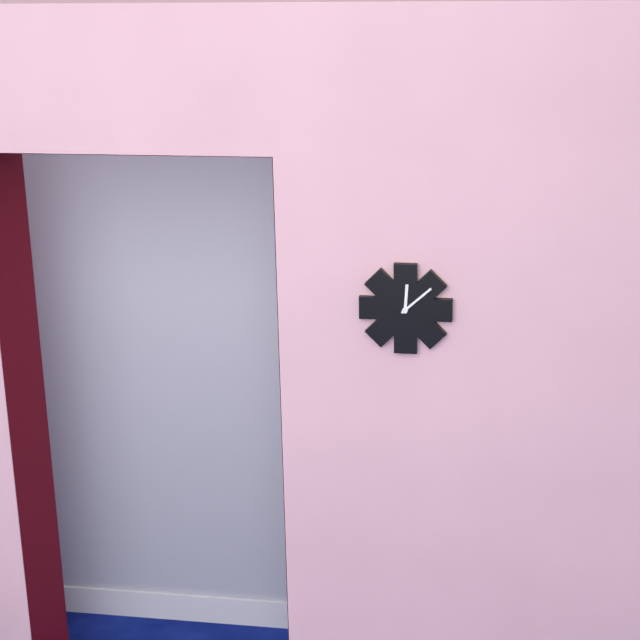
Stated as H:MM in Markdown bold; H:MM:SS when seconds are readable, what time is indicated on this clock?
**12:08**
